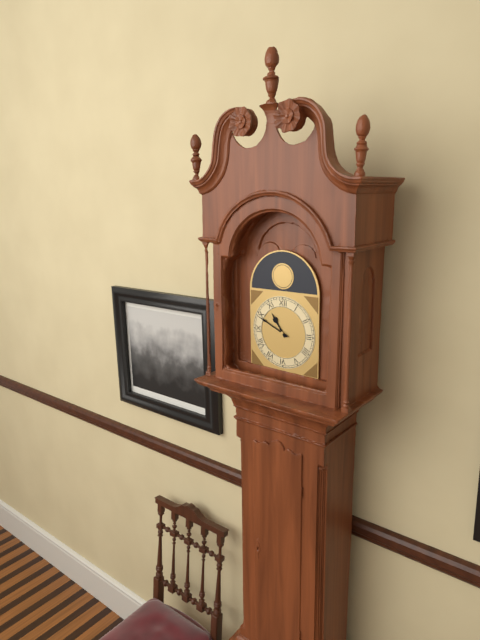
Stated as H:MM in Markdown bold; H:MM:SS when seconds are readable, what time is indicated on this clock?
**10:49**
